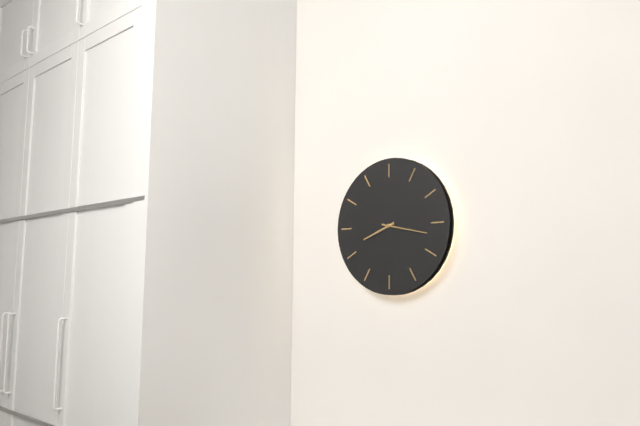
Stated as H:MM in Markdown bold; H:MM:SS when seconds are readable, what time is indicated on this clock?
**8:17**
